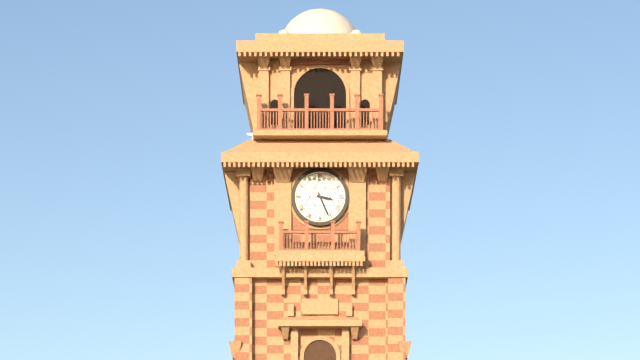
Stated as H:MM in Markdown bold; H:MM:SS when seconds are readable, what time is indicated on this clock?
**3:26**
